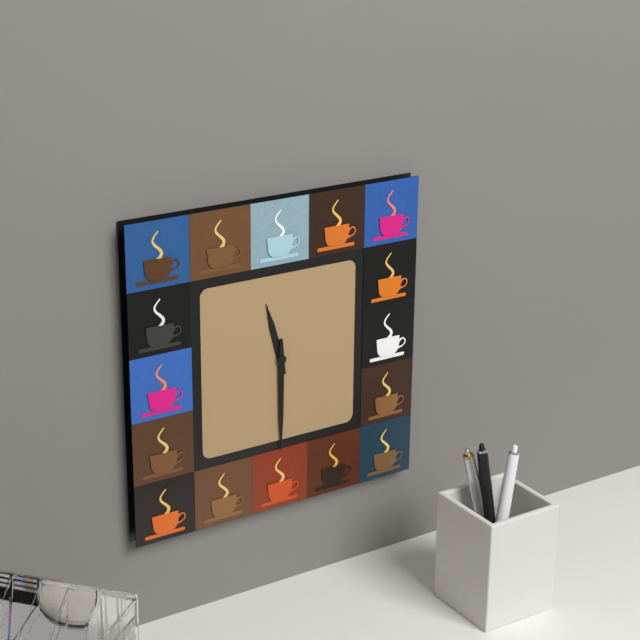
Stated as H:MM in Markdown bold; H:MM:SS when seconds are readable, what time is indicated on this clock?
**11:30**
